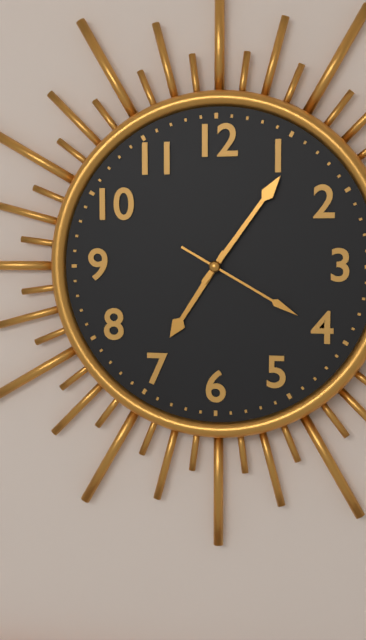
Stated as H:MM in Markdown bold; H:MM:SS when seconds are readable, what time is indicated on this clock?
**7:06:20**
